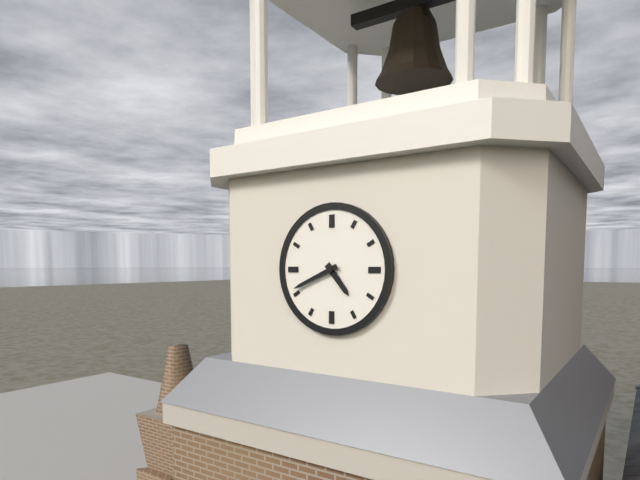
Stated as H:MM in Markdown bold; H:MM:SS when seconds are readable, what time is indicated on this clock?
**4:41**
